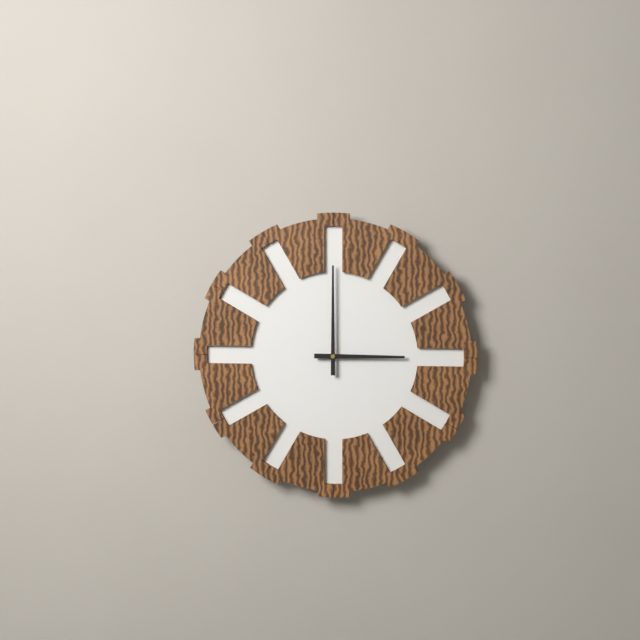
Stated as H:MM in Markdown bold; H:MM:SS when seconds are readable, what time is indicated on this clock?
**3:00**
